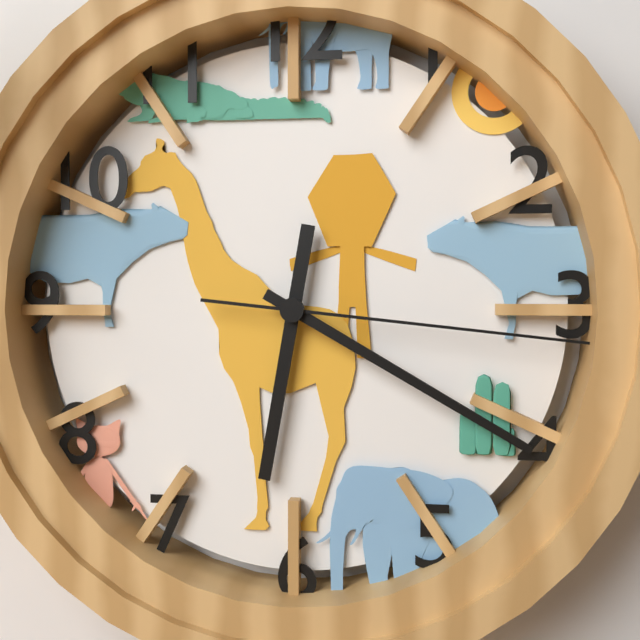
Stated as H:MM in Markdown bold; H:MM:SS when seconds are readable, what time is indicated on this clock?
**6:20:16**
